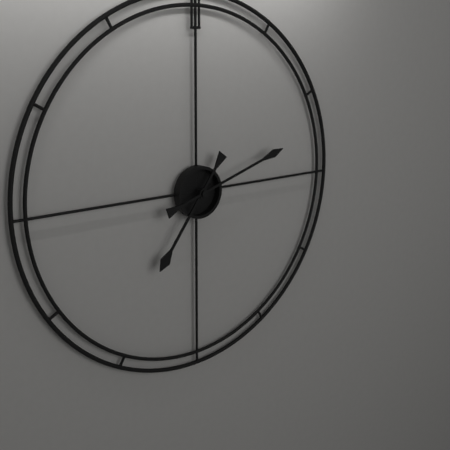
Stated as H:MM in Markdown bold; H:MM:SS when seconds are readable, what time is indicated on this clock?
**7:12**
